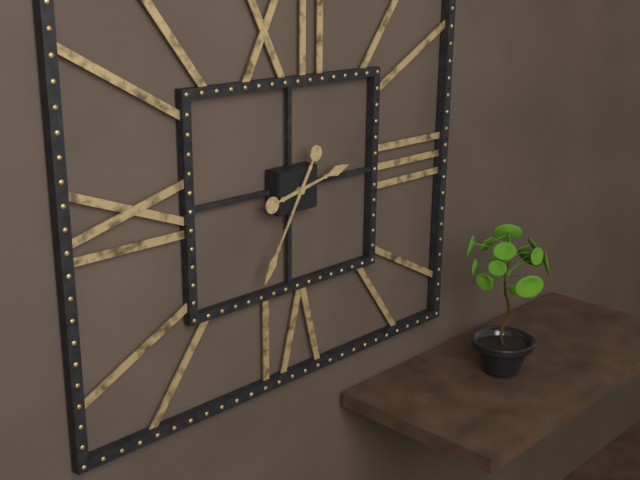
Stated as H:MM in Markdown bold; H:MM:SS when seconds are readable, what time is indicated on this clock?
**2:35**
